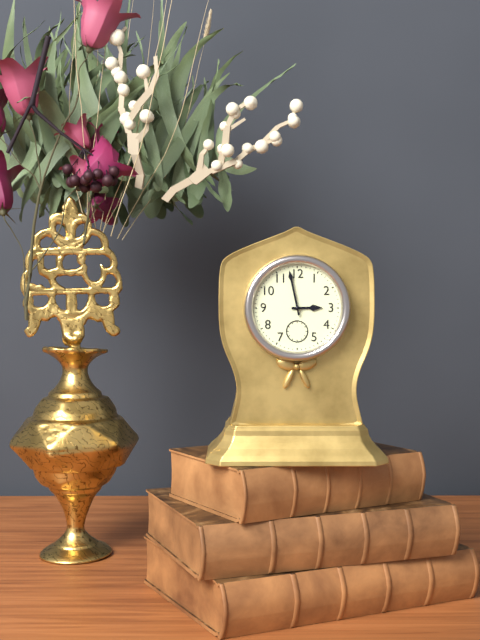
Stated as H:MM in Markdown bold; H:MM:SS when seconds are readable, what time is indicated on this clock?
**2:58**
